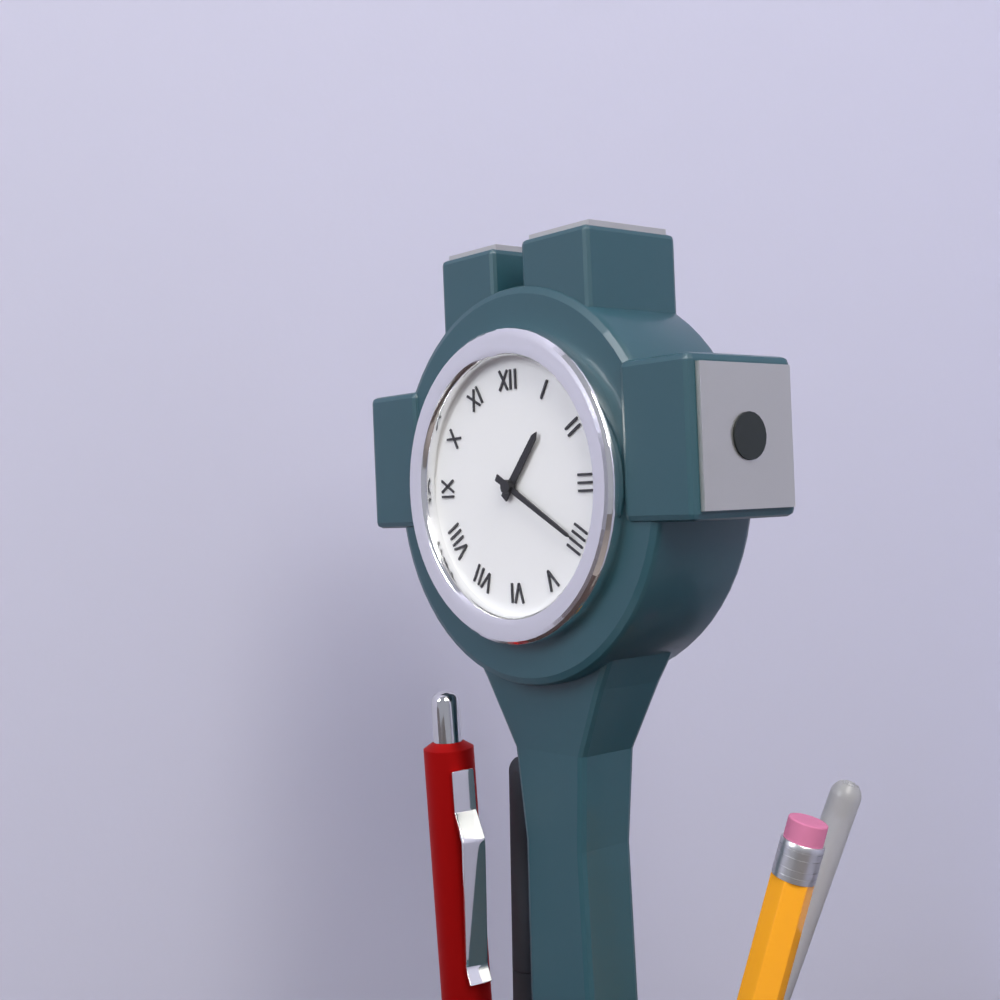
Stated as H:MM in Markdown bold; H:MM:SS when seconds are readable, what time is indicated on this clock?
**1:20**
